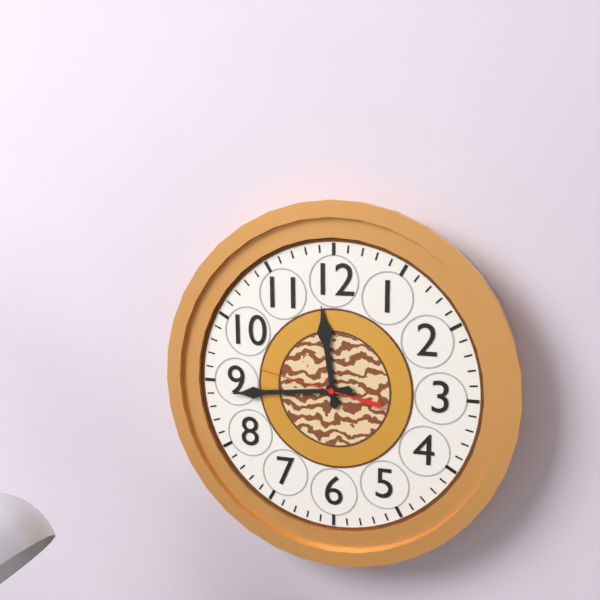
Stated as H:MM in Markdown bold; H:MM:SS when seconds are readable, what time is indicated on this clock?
**11:44:47**
